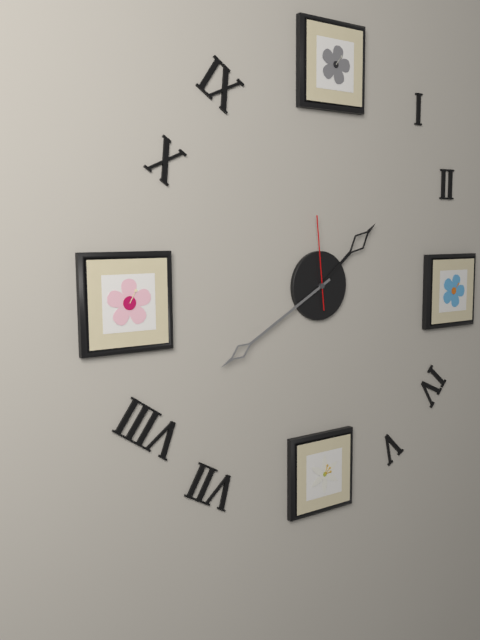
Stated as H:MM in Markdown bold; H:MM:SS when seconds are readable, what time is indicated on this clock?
**1:40:59**
